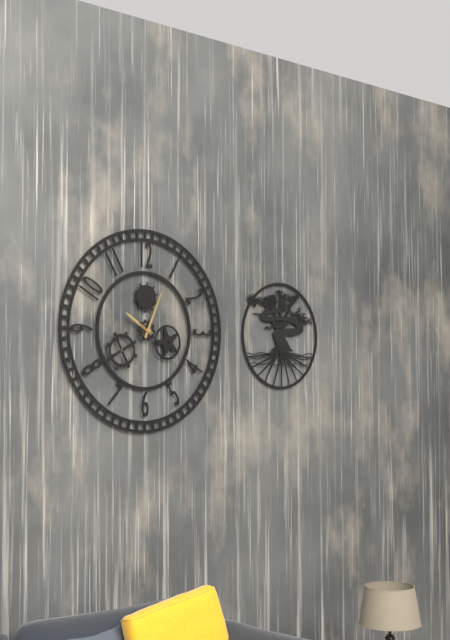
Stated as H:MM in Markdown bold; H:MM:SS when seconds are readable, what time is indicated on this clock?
**10:04**
